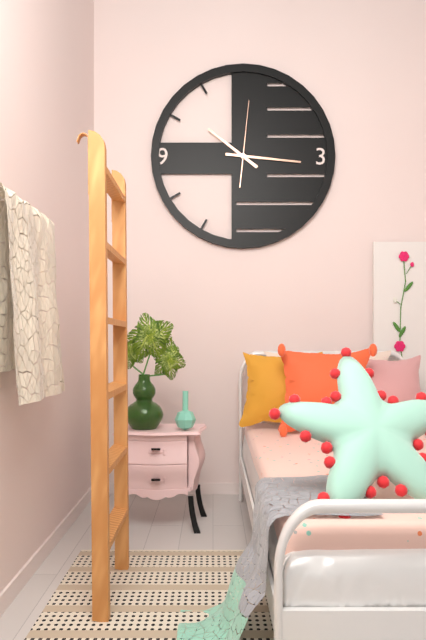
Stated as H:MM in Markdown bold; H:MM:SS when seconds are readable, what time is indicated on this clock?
**10:16:01**
